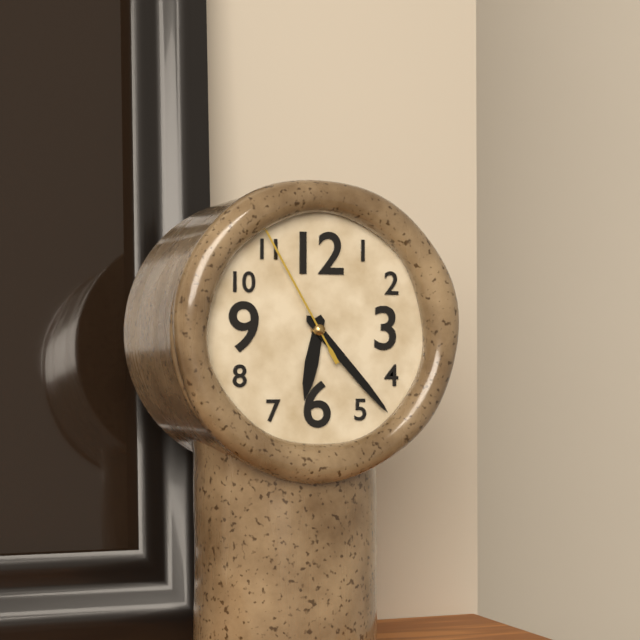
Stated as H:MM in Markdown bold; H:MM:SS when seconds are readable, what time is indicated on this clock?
**6:23:55**
